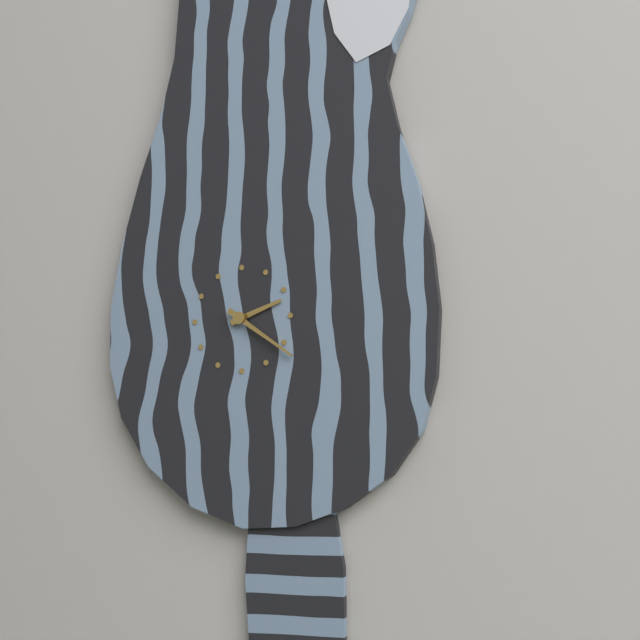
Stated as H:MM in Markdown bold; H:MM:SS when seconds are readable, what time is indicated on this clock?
**2:21**
